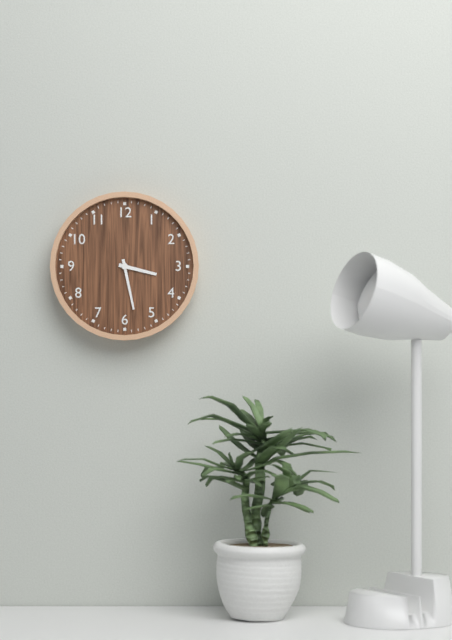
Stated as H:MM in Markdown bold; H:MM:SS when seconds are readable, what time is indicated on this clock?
**3:28**
